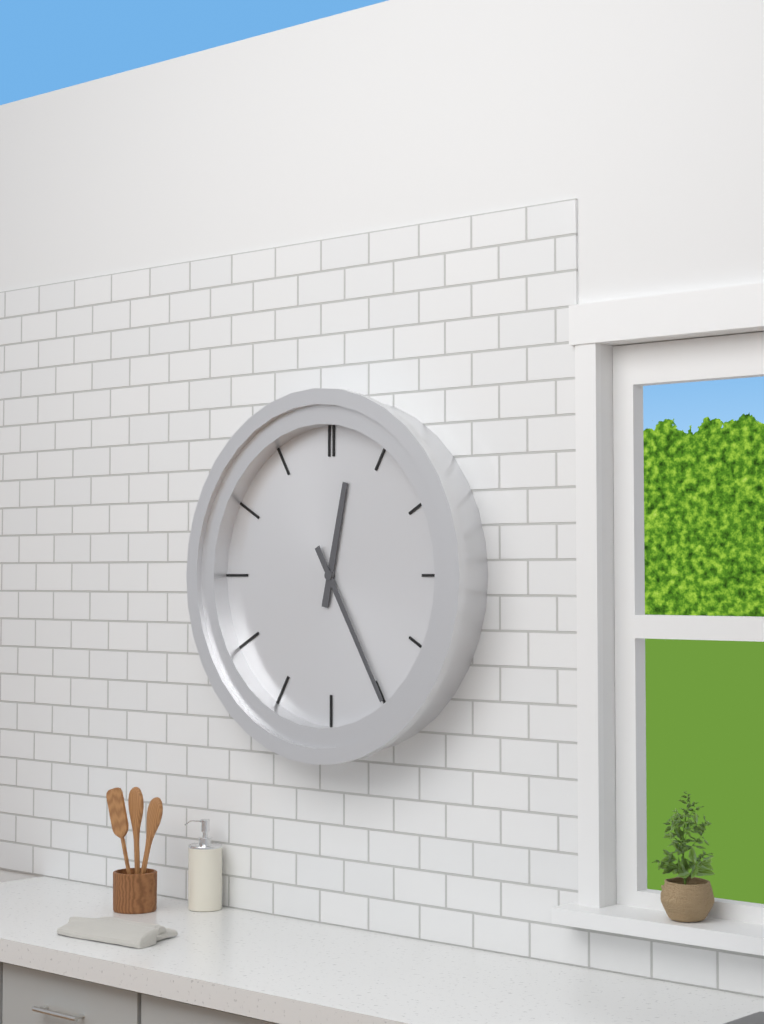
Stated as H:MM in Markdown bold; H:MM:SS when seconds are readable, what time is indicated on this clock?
**12:25**
